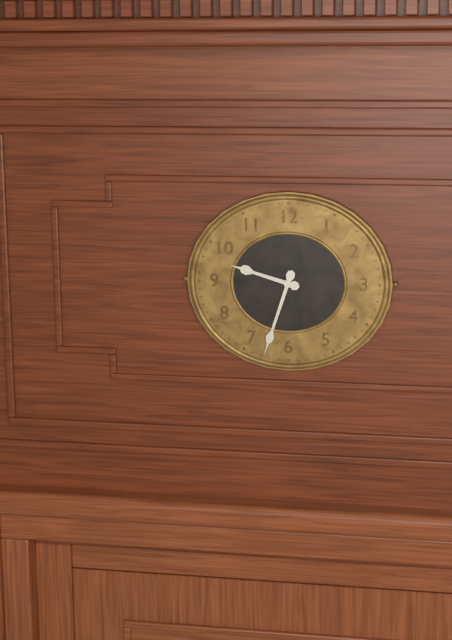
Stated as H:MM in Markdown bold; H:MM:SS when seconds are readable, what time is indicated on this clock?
**9:33**
